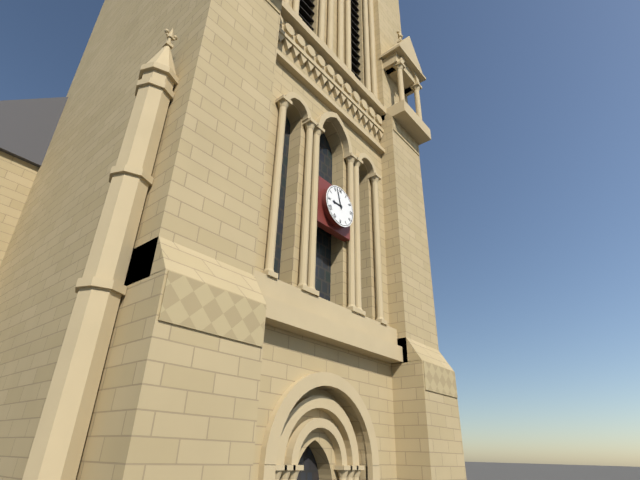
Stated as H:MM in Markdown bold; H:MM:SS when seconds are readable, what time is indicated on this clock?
**8:57**
